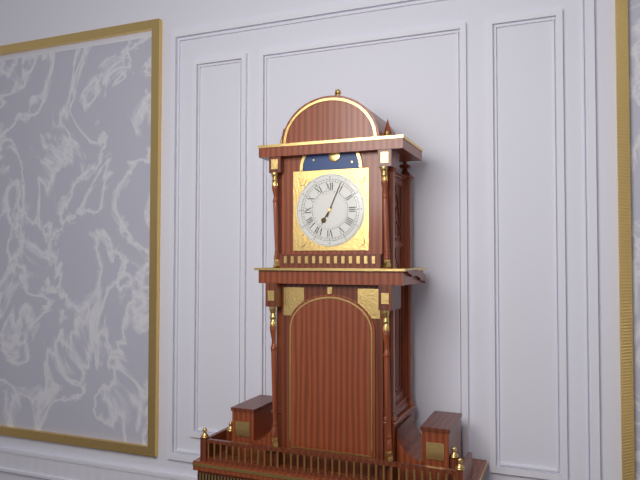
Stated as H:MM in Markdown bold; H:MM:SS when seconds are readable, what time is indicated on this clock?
**7:04**
